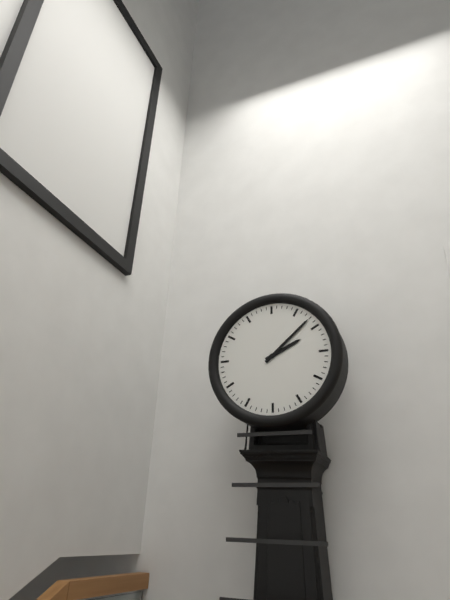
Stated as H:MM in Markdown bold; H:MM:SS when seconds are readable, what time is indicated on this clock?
**2:08**
